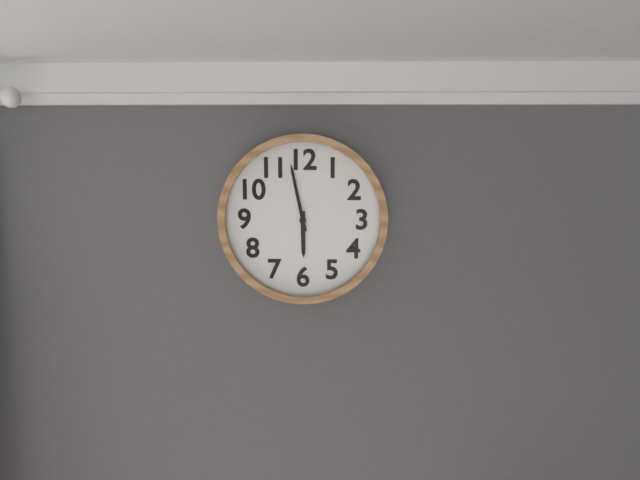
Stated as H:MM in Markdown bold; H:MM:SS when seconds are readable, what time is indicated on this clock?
**5:58**
